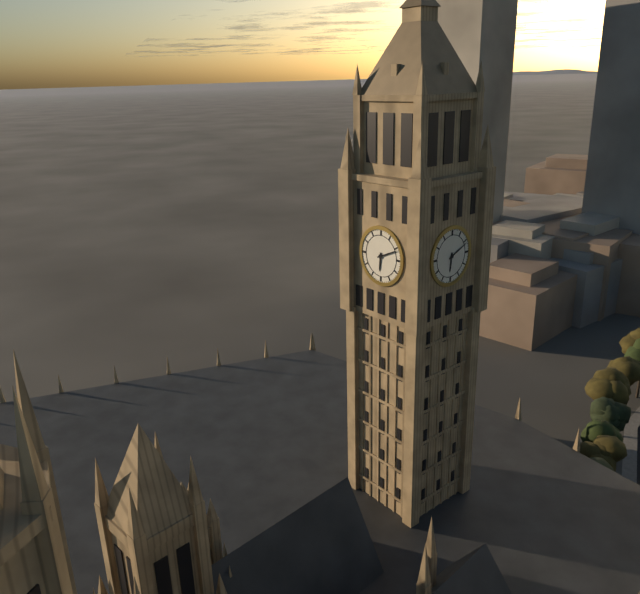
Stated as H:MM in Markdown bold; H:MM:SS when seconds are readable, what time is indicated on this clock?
**6:11**
